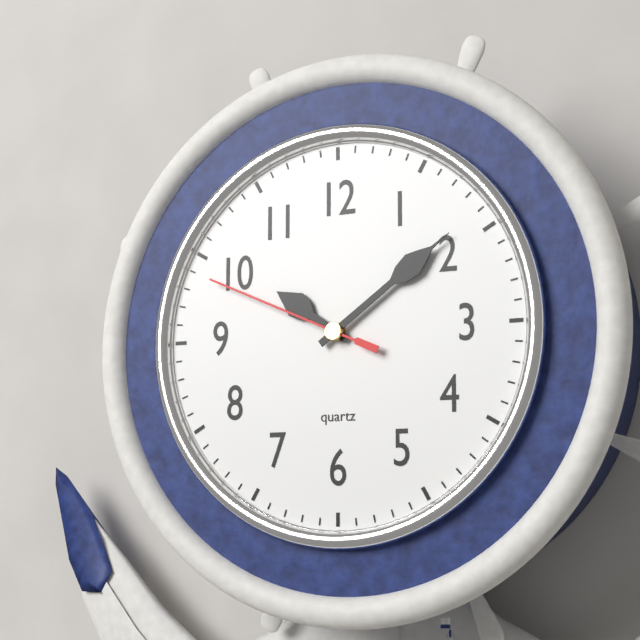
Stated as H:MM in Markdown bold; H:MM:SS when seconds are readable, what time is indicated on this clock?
**10:09:49**
